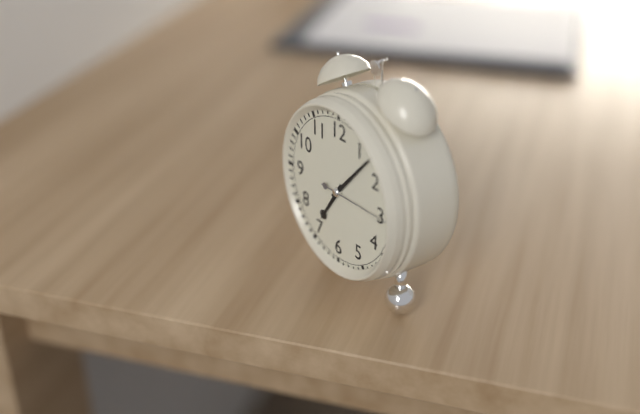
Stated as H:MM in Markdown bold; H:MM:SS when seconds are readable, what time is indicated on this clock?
**7:07:15**
